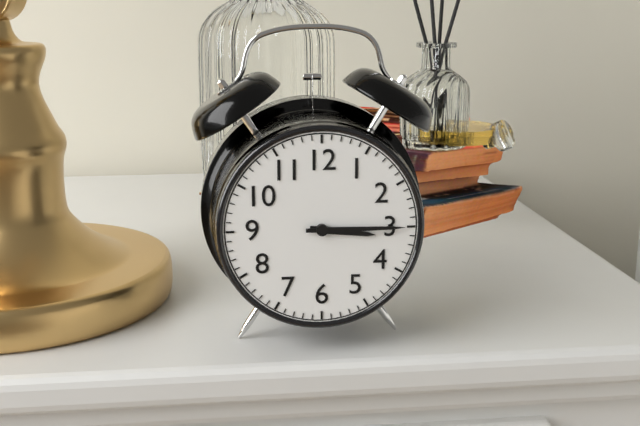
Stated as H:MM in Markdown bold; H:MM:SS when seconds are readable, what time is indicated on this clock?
**3:15**
